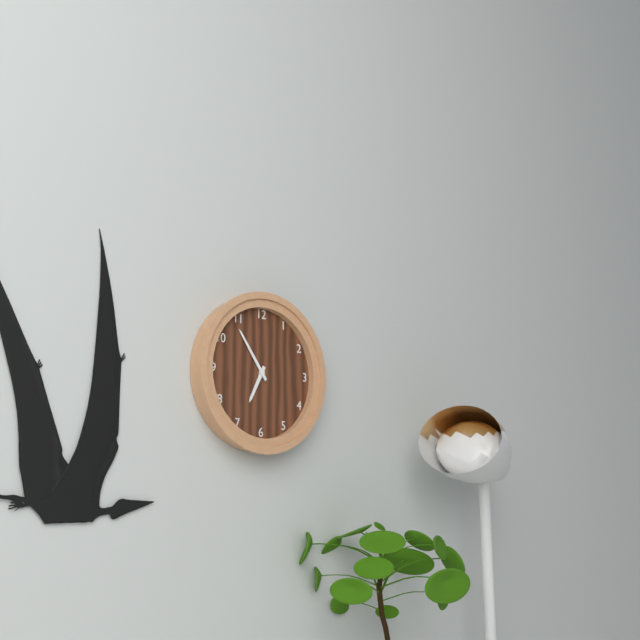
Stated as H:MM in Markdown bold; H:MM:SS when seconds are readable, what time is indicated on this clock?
**6:54**
